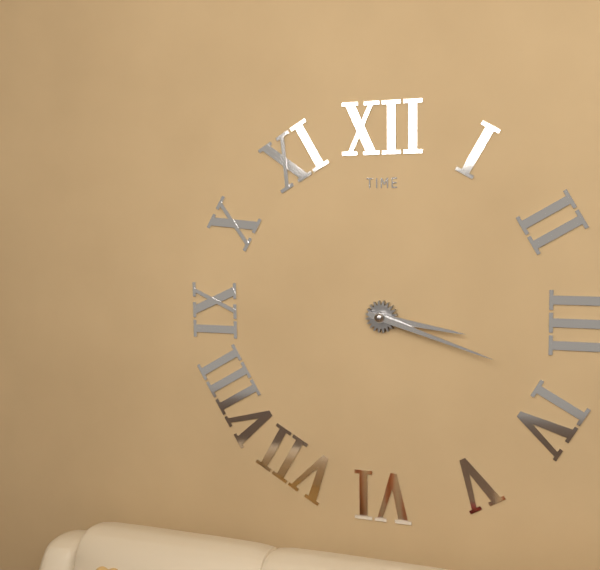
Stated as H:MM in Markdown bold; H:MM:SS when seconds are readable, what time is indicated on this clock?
**3:18**
